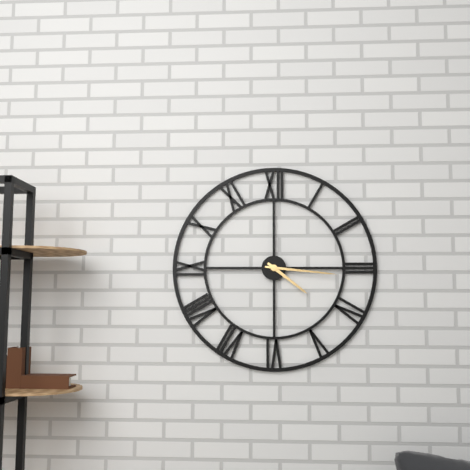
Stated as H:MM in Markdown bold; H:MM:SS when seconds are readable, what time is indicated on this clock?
**4:16**
